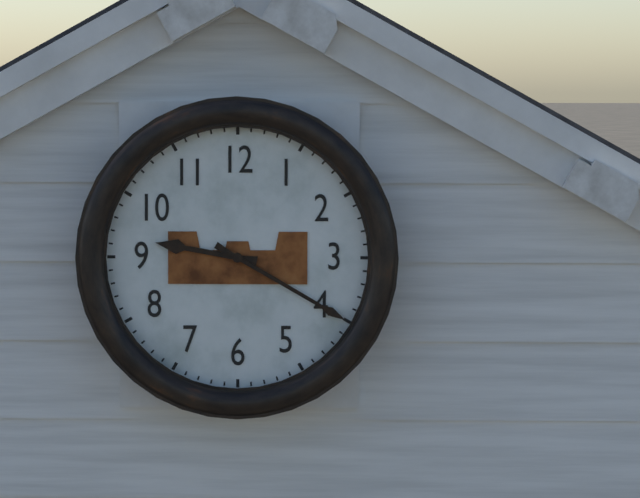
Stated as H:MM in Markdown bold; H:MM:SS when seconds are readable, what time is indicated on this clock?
**9:20**
